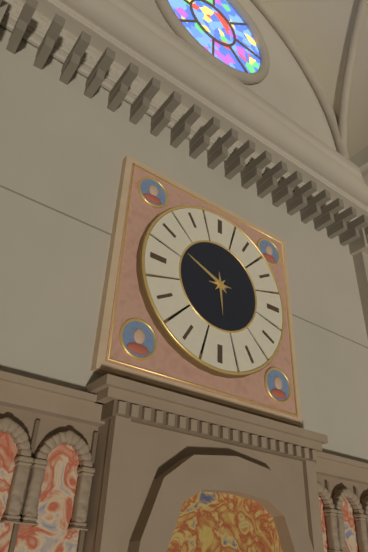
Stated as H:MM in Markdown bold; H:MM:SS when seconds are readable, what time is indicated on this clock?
**5:49**
